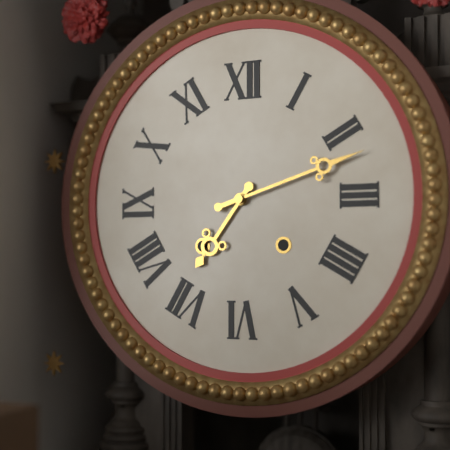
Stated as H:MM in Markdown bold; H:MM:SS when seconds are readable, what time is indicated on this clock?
**7:12**
